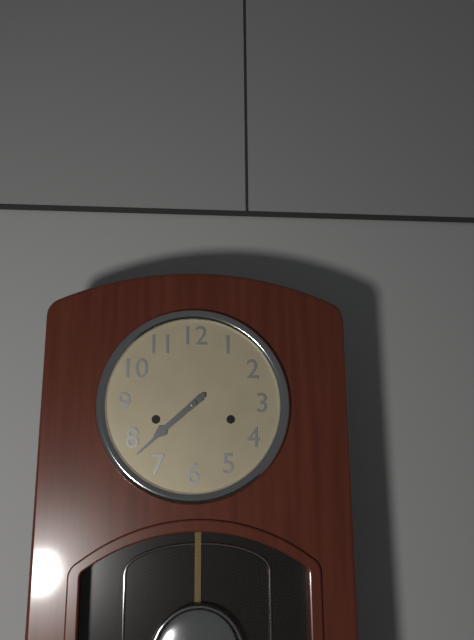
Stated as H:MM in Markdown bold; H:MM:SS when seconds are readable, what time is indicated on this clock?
**7:38**
